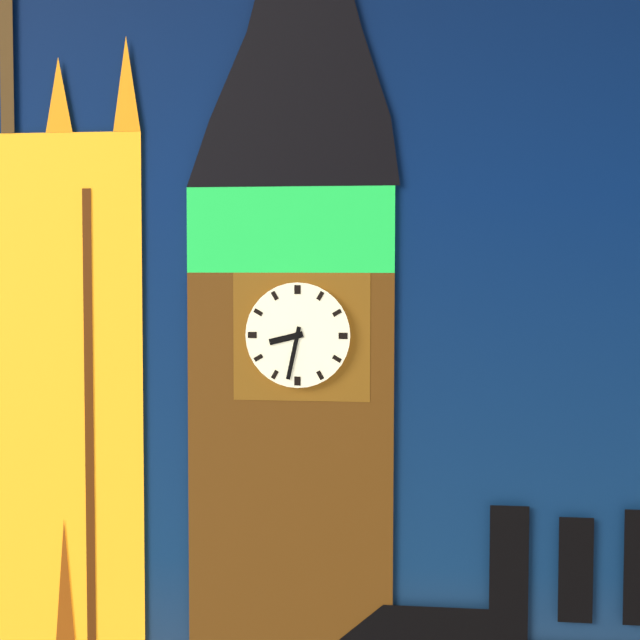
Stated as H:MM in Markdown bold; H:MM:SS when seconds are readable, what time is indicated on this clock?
**8:32**
